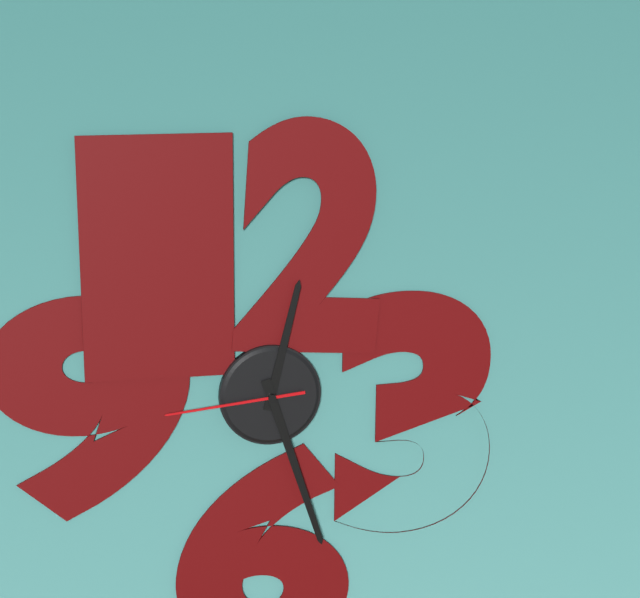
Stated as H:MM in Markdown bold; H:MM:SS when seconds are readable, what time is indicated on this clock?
**12:27:44**
